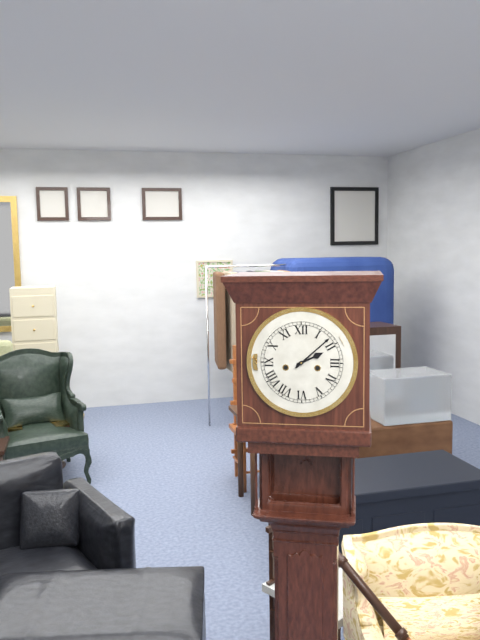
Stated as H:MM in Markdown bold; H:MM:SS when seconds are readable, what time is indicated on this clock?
**2:08**
